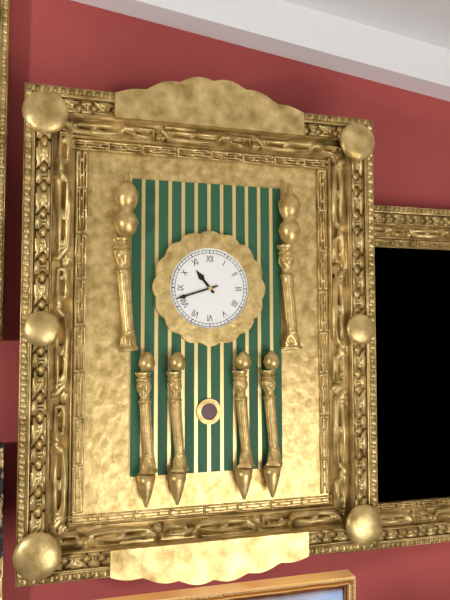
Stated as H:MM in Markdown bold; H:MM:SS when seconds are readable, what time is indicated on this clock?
**10:42**
